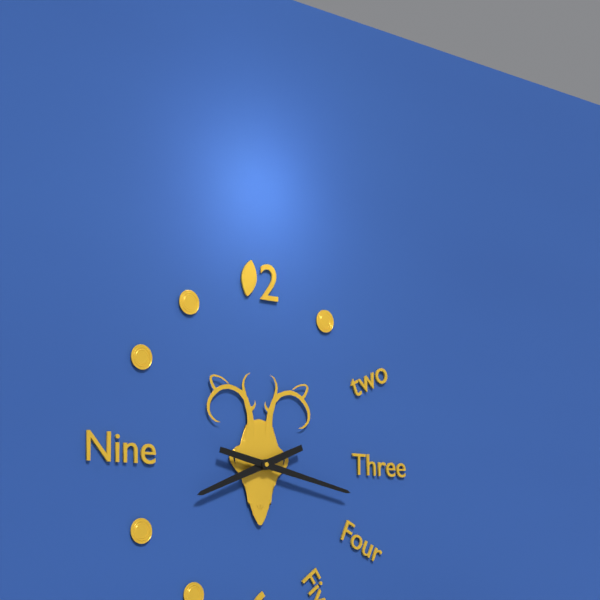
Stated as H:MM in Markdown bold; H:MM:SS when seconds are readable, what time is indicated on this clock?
**8:17**
